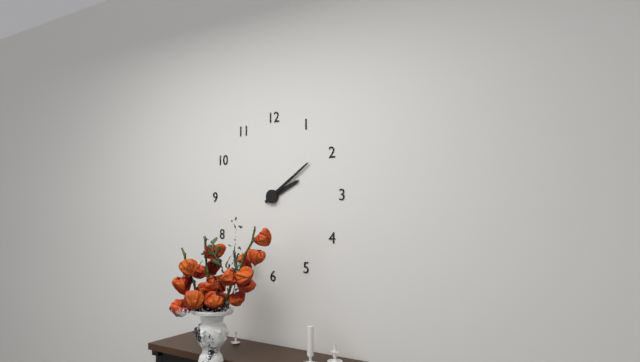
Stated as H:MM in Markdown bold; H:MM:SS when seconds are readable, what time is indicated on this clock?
**2:09**
